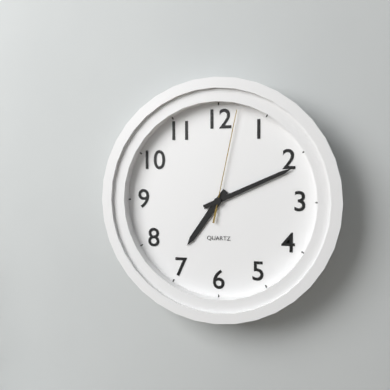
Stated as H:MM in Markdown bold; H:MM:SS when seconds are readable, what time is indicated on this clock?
**7:11:02**
